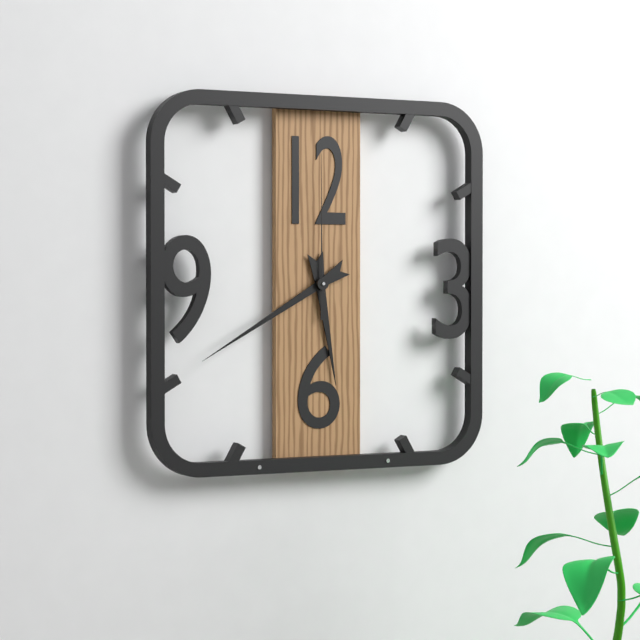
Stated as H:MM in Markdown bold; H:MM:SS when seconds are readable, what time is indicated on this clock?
**5:40:00**
